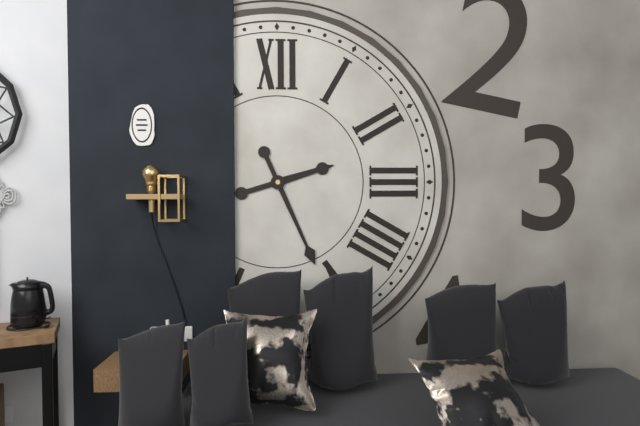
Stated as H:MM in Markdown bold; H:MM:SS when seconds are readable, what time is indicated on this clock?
**2:26**
